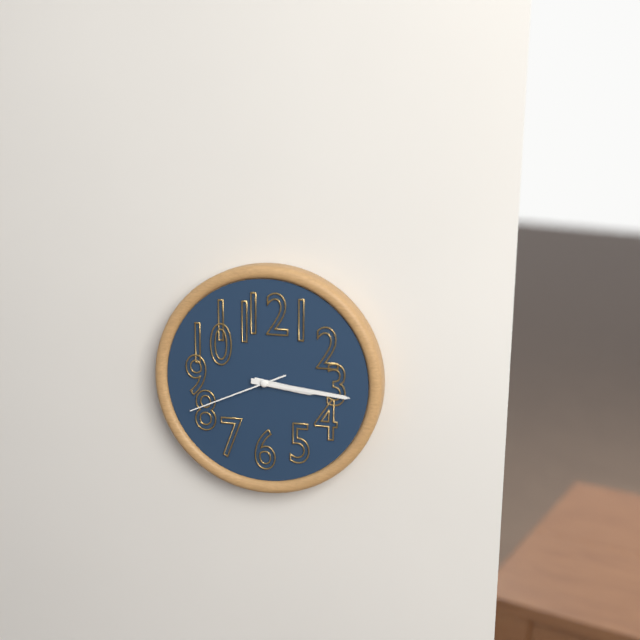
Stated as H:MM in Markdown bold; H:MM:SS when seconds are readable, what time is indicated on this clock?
**3:16:41**
